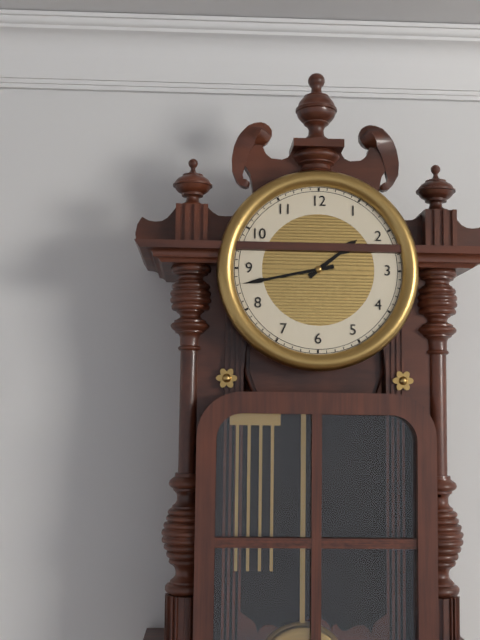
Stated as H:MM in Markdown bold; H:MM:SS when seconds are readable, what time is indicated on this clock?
**1:43**
